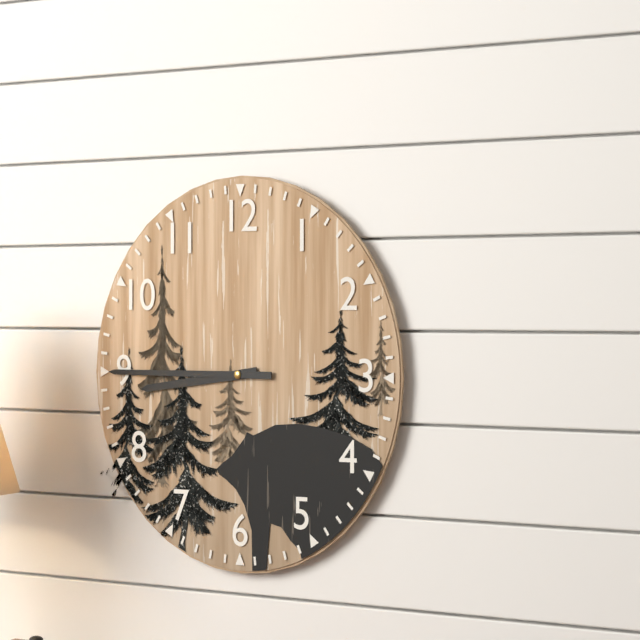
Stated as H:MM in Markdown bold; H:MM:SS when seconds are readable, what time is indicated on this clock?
**8:45**
